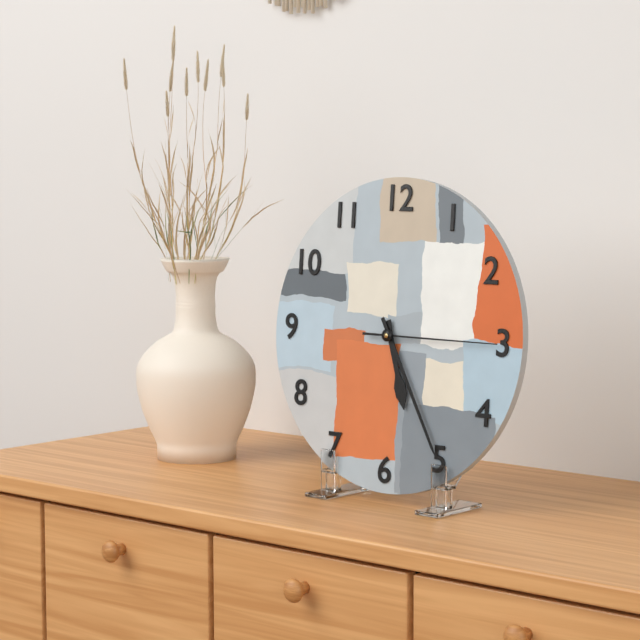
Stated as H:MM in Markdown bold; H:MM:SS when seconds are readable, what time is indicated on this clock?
**5:25:15**
